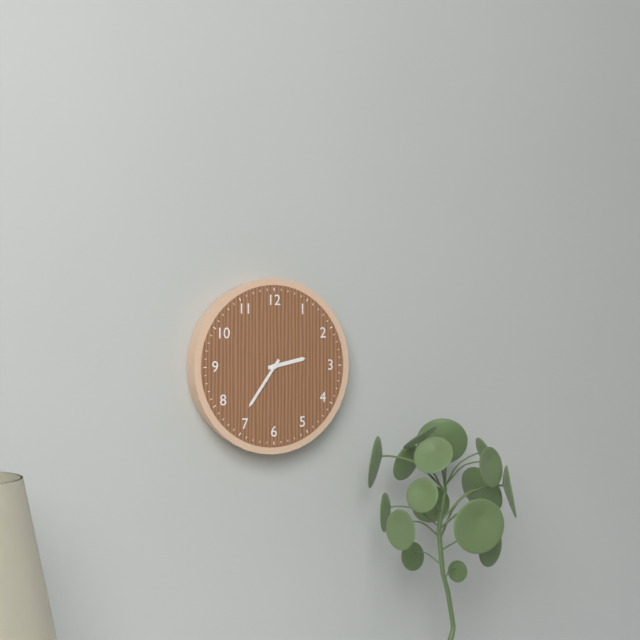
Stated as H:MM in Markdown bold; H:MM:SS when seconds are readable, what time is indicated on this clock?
**2:36**
